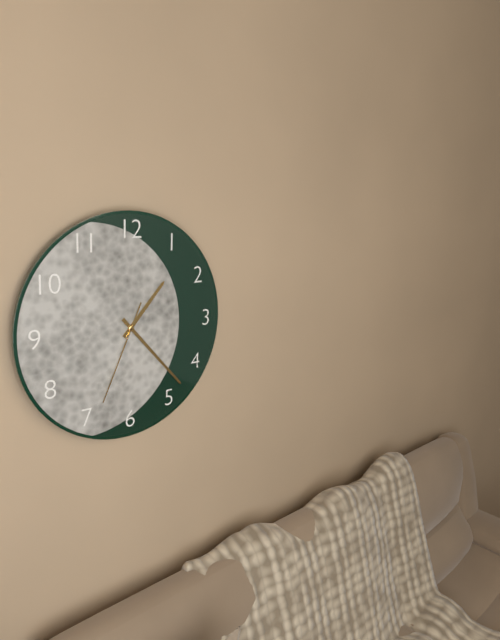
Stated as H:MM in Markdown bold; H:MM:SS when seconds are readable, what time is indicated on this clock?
**1:23:34**
